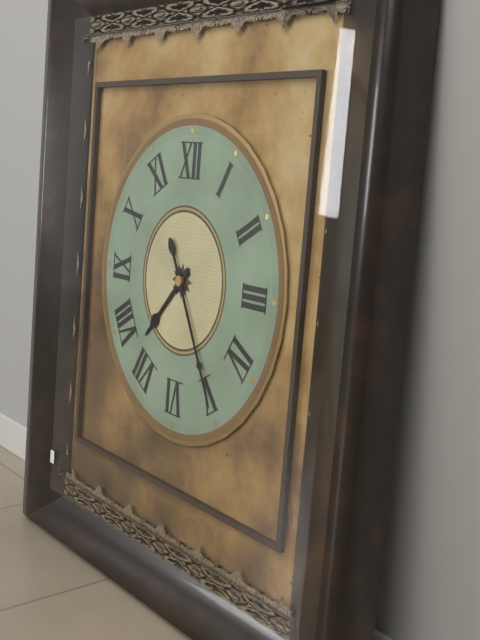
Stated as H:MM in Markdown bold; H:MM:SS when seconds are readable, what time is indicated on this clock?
**7:25**
